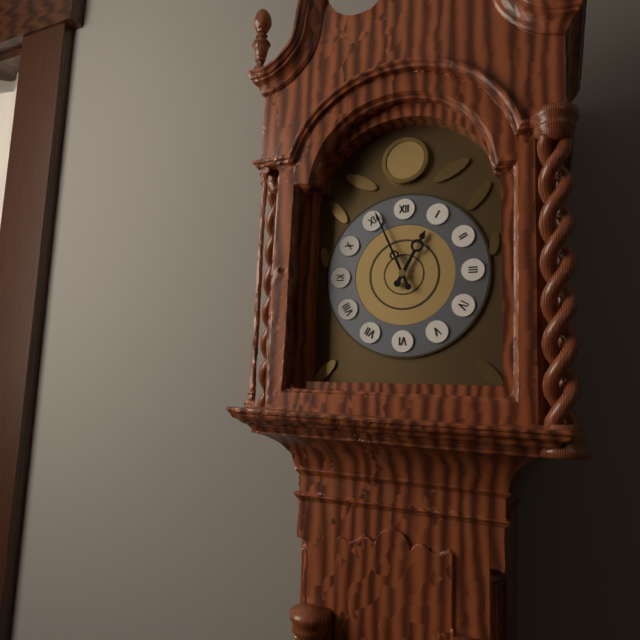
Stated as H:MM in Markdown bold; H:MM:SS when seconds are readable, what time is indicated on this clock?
**12:56**
